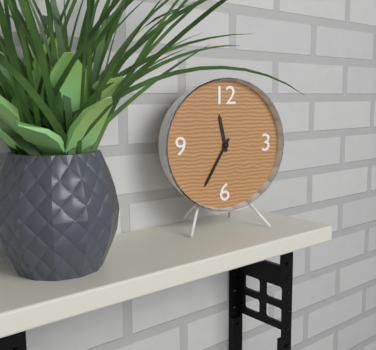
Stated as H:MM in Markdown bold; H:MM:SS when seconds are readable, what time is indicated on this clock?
**11:35**
